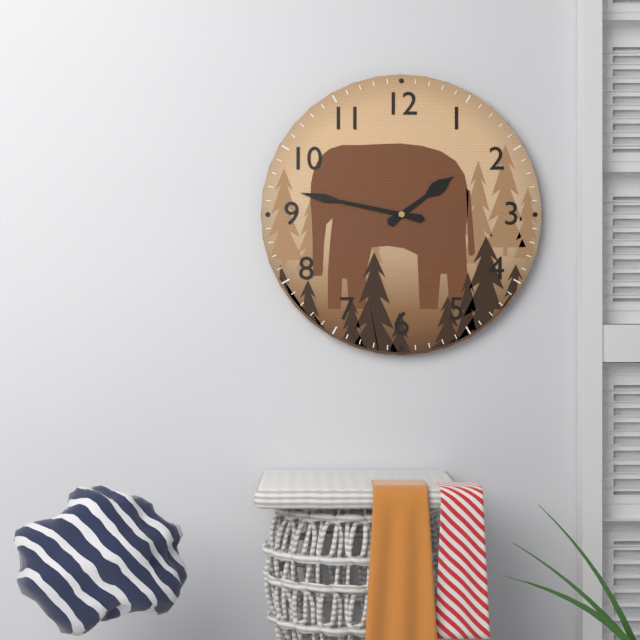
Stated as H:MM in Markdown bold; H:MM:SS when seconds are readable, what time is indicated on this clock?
**1:47**
